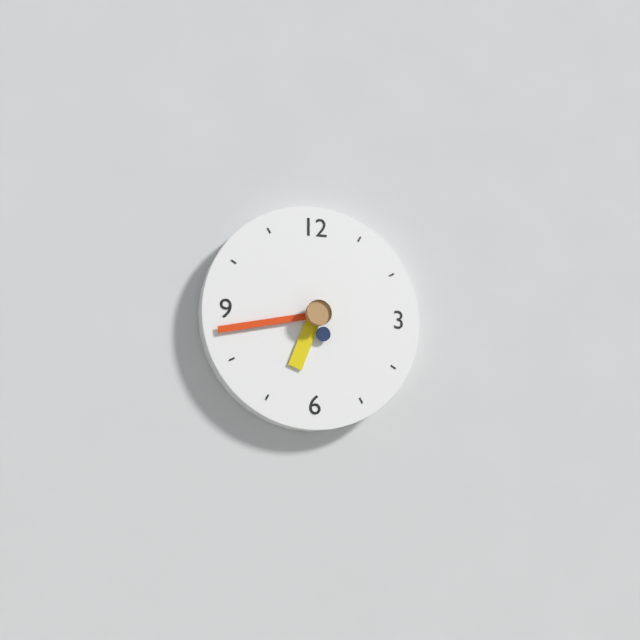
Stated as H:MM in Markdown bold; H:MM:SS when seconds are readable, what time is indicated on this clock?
**6:43**
